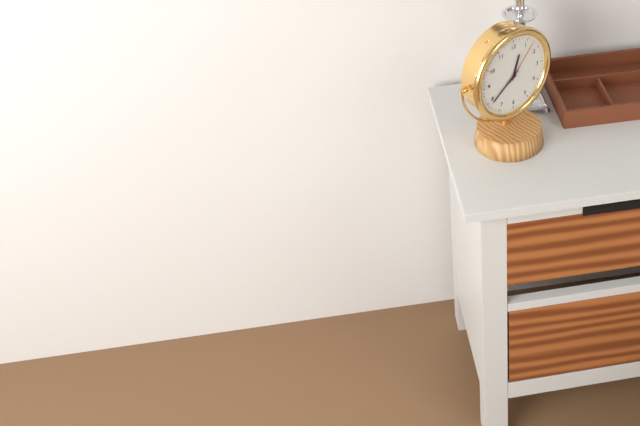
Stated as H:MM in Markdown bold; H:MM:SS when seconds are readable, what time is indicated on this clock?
**12:39**
